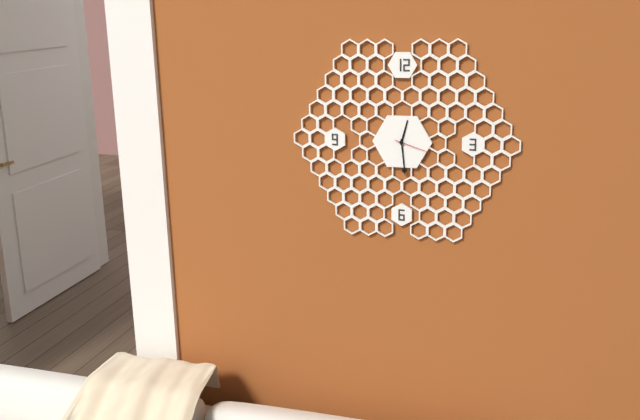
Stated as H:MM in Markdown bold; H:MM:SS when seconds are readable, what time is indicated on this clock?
**12:29**
